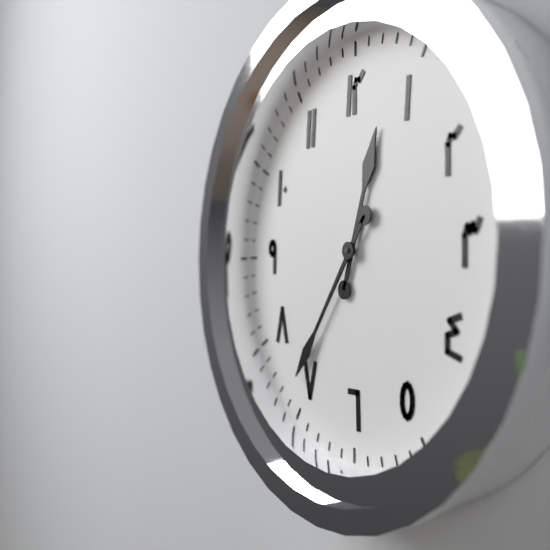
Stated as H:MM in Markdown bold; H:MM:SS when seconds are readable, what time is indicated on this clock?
**12:36**
